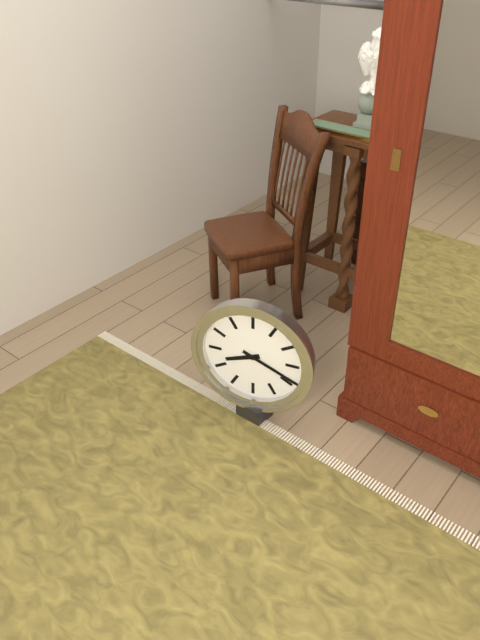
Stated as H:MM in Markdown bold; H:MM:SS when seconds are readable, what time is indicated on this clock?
**8:19**
